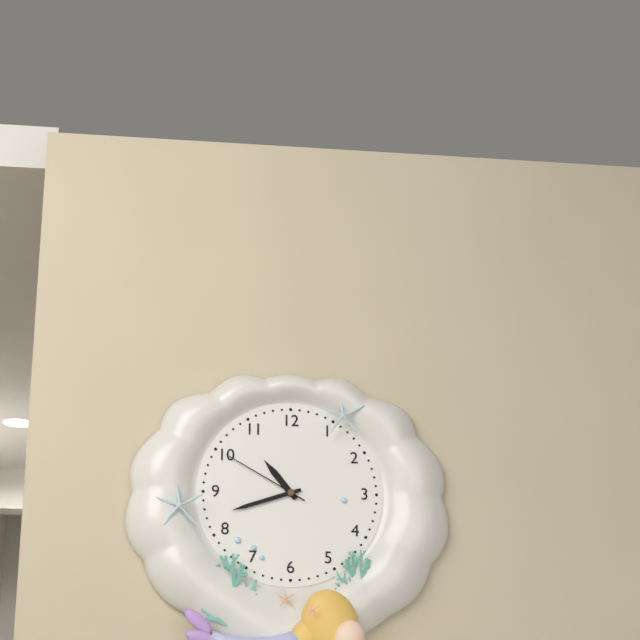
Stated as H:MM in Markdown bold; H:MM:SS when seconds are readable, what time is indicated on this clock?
**10:42:50**
